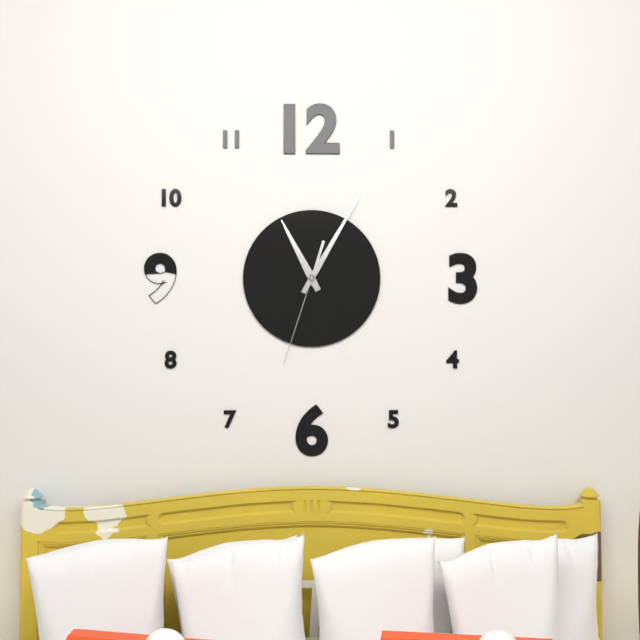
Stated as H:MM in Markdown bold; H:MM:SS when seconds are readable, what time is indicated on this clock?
**11:05:33**
